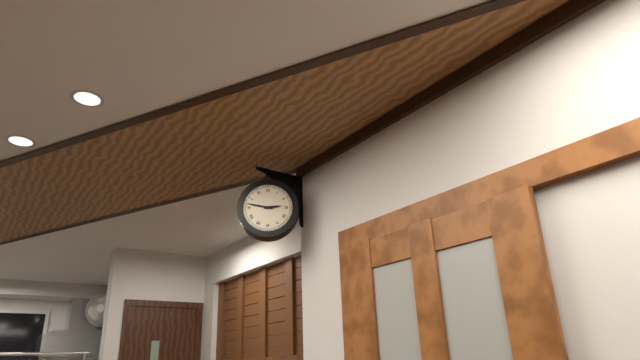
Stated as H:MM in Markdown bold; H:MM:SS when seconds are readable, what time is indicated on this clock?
**2:47**
